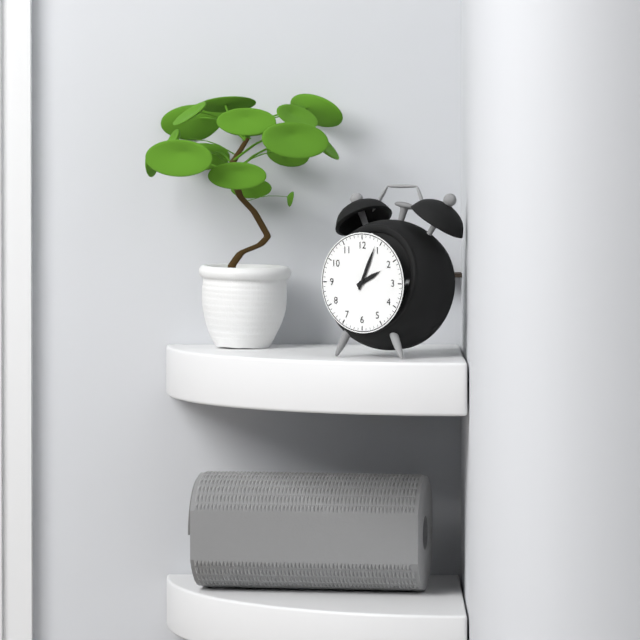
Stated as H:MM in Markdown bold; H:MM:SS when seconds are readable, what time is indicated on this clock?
**2:04**
